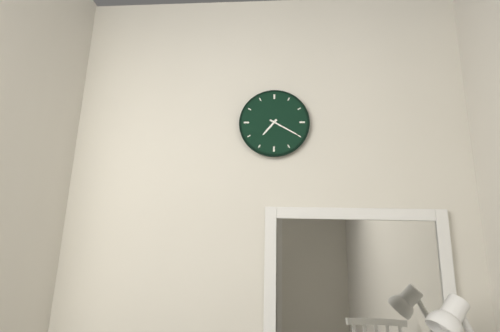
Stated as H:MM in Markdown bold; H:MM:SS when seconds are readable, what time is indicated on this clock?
**7:20**
